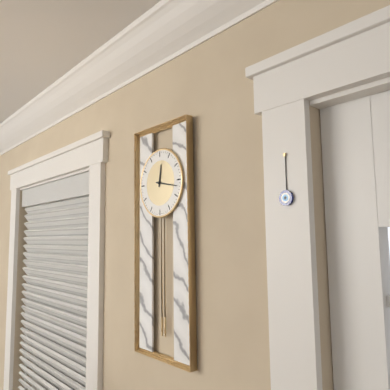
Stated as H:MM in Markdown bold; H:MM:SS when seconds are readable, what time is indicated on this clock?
**12:17**
